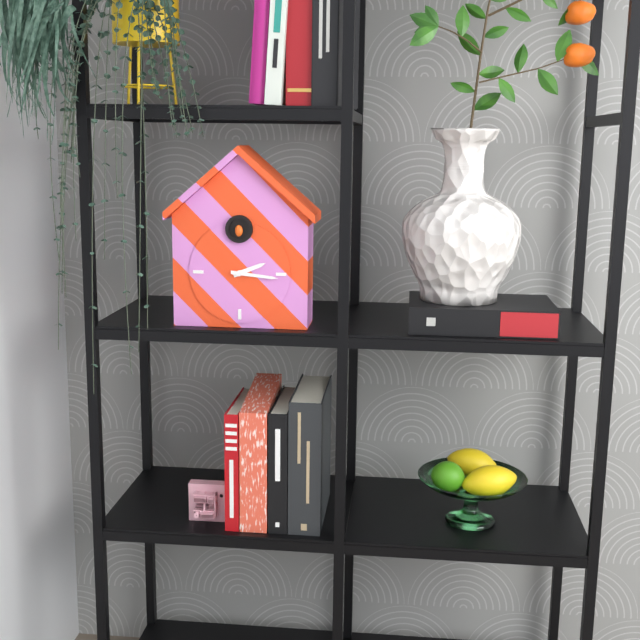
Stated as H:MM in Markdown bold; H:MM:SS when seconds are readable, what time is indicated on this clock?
**2:16**
